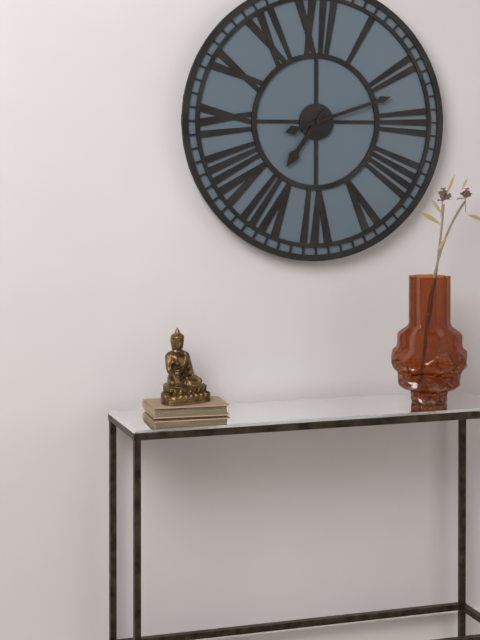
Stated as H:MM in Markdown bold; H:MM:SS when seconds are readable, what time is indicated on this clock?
**7:12**
